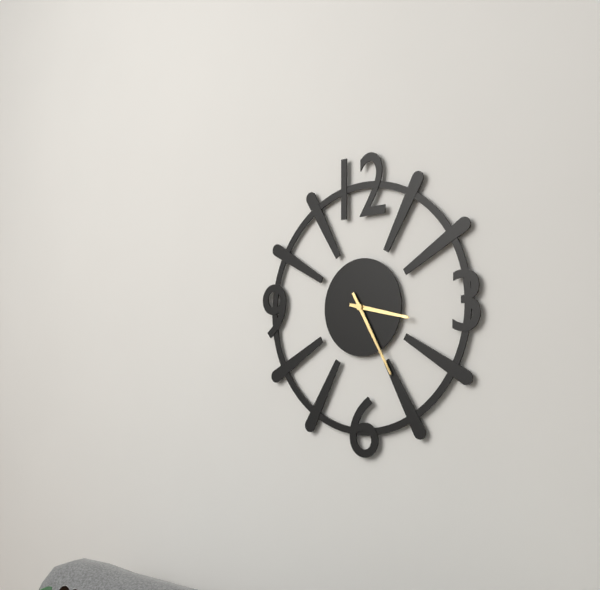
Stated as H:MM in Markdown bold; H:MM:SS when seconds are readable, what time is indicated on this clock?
**3:25**
